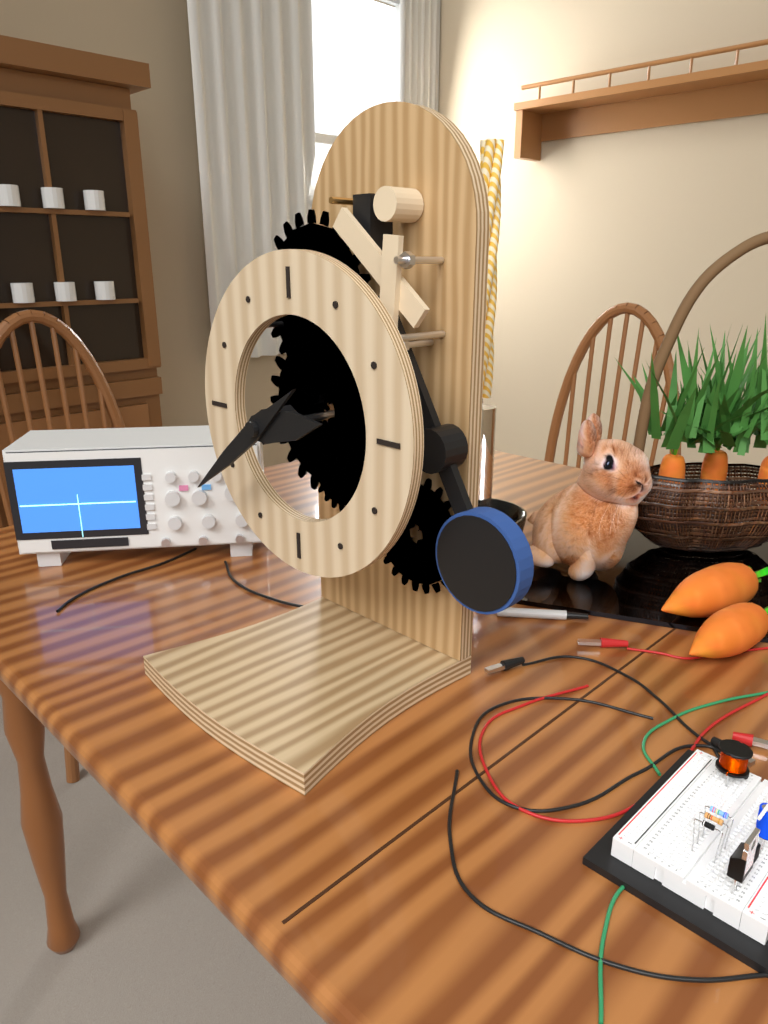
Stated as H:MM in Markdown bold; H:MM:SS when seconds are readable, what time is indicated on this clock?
**2:39**
